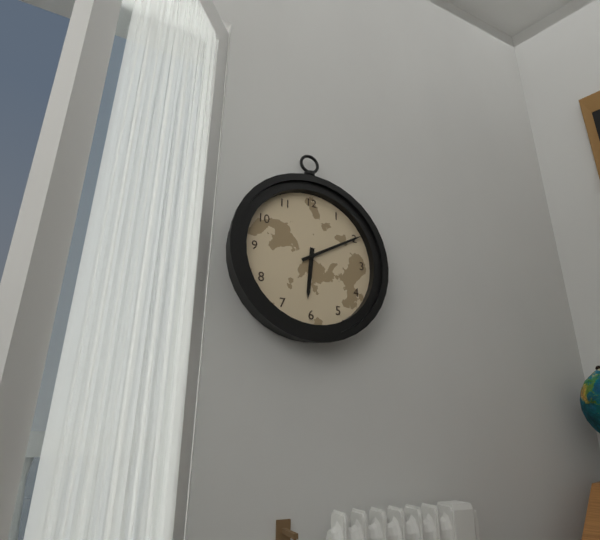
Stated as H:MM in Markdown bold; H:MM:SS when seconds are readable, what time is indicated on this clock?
**6:10**
